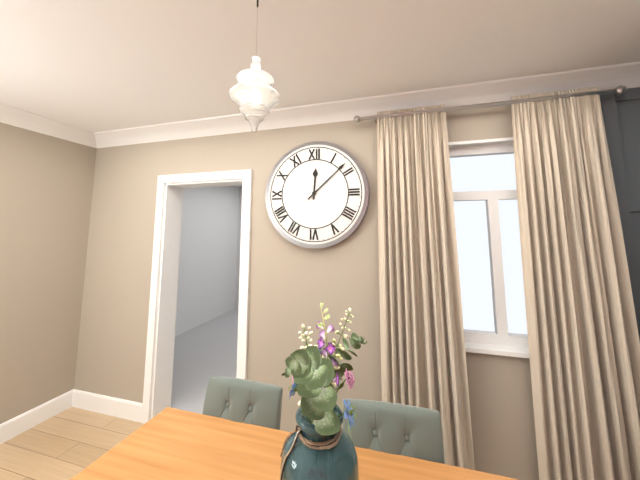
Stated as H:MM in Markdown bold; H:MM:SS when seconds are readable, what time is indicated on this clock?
**12:08**
